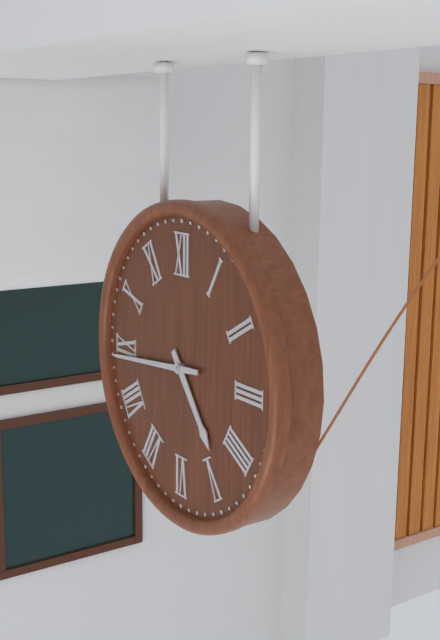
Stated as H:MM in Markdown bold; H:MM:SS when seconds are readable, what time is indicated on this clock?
**4:44**
